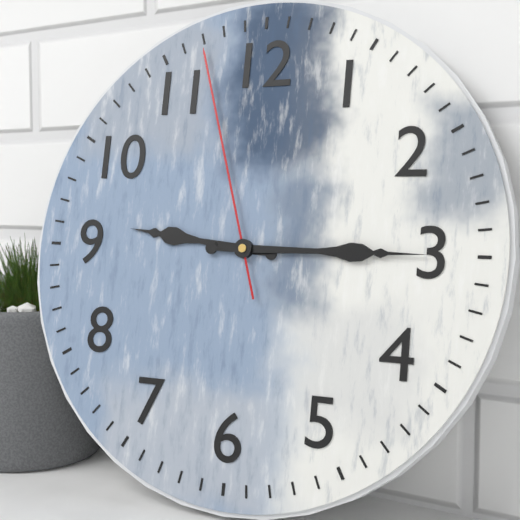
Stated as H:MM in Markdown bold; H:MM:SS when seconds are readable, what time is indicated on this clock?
**9:15:57**
